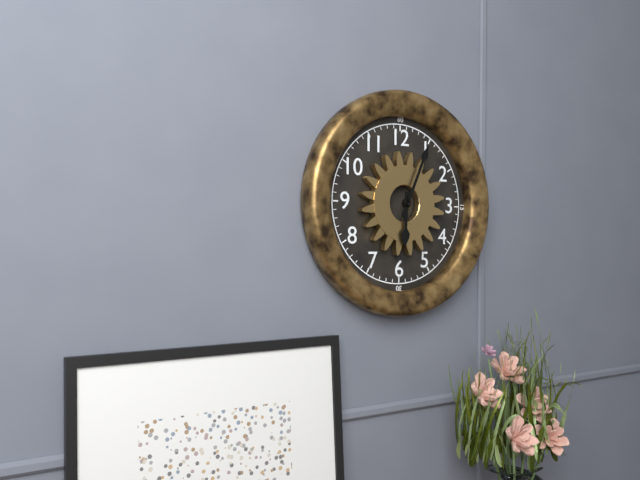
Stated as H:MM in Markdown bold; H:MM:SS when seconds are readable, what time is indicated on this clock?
**6:04**
